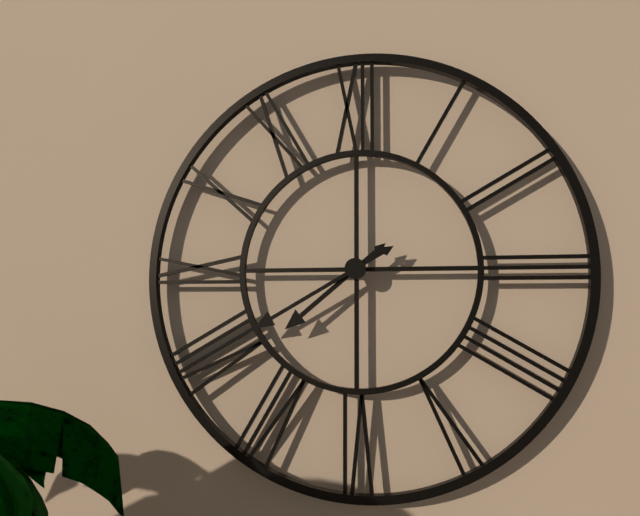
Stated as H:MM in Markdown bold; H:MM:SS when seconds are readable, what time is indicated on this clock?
**7:40**
